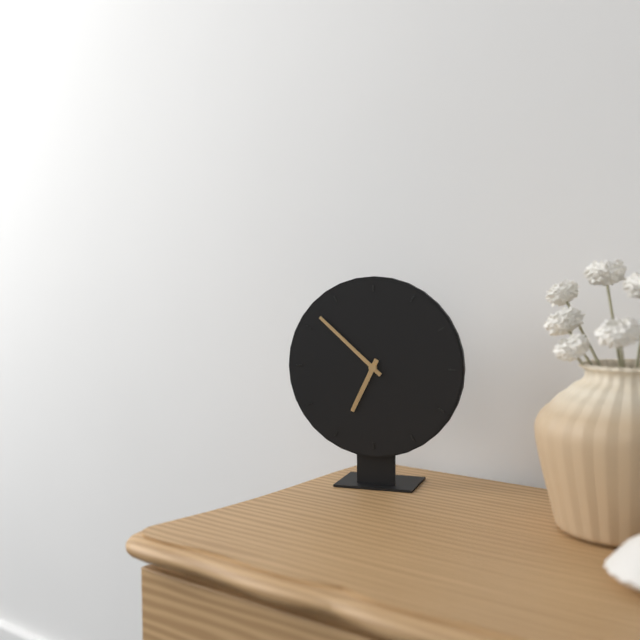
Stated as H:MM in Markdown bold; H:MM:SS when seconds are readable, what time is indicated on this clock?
**6:52**
